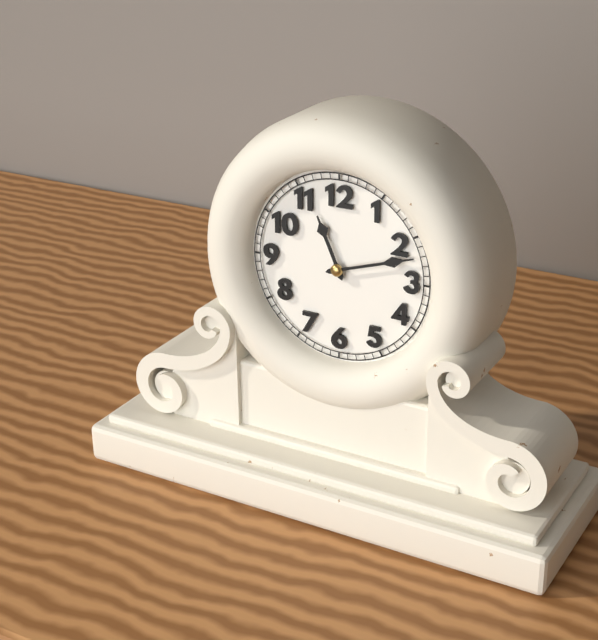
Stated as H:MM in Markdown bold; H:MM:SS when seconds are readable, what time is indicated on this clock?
**11:12**
